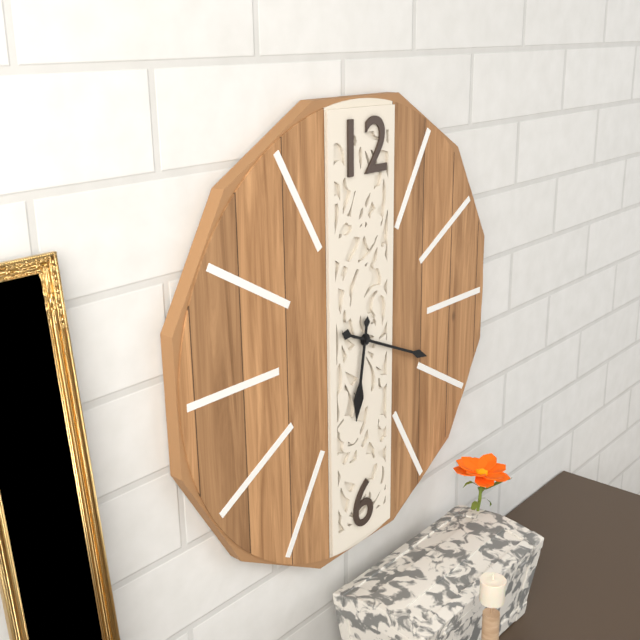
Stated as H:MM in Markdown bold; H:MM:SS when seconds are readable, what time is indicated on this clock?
**6:19**
